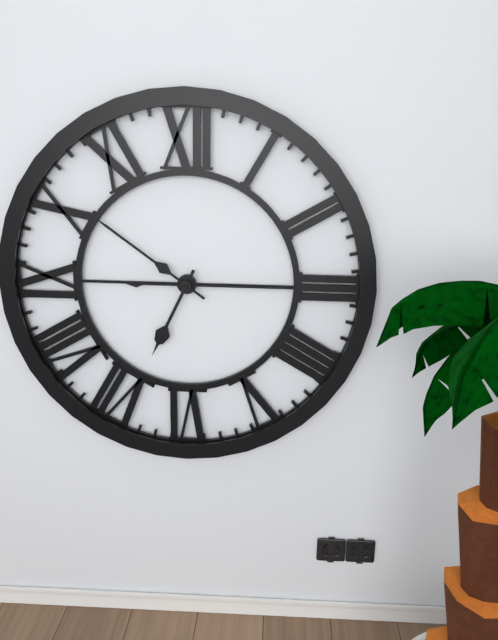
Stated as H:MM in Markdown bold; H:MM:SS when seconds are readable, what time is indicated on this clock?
**6:51:15**
